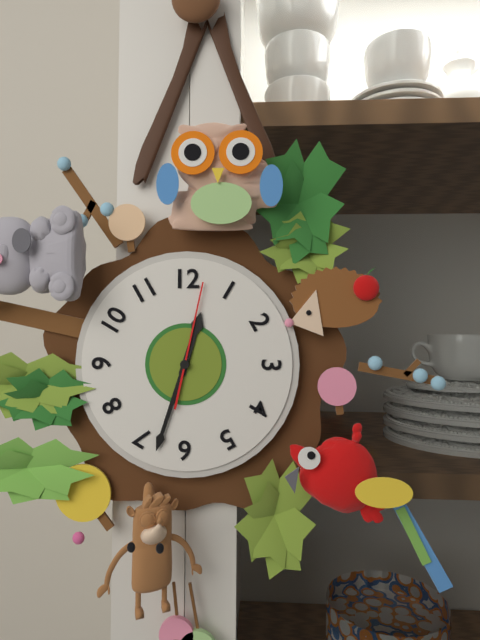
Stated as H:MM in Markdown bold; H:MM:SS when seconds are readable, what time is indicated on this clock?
**12:33:02**
